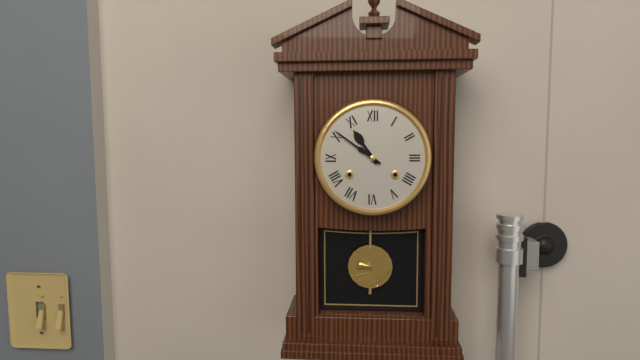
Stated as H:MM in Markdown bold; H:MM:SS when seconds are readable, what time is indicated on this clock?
**10:51**
